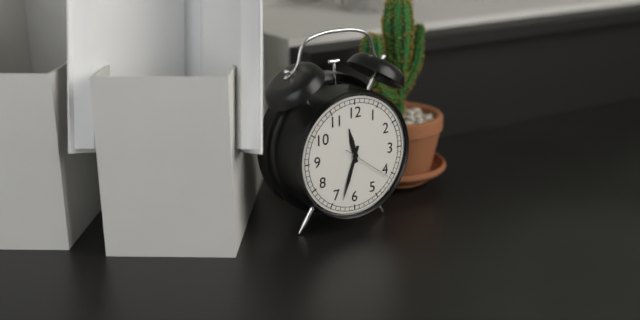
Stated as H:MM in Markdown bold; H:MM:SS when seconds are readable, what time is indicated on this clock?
**11:33**
